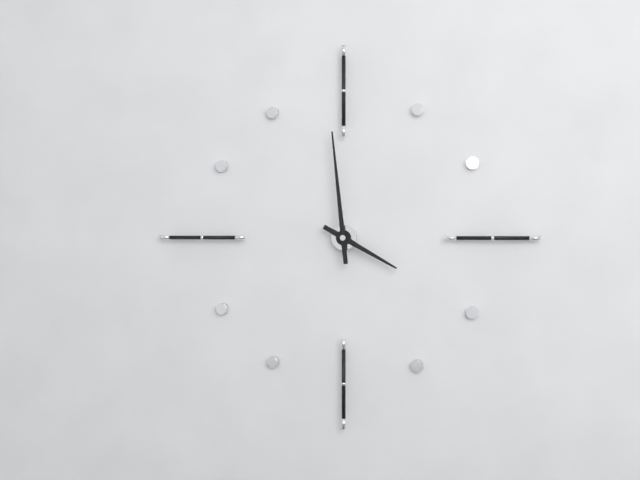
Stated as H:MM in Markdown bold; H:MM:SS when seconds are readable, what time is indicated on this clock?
**3:59**
